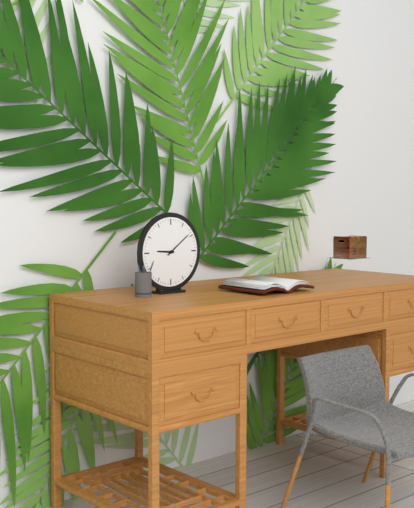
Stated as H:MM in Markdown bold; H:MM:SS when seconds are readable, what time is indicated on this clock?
**9:09**
